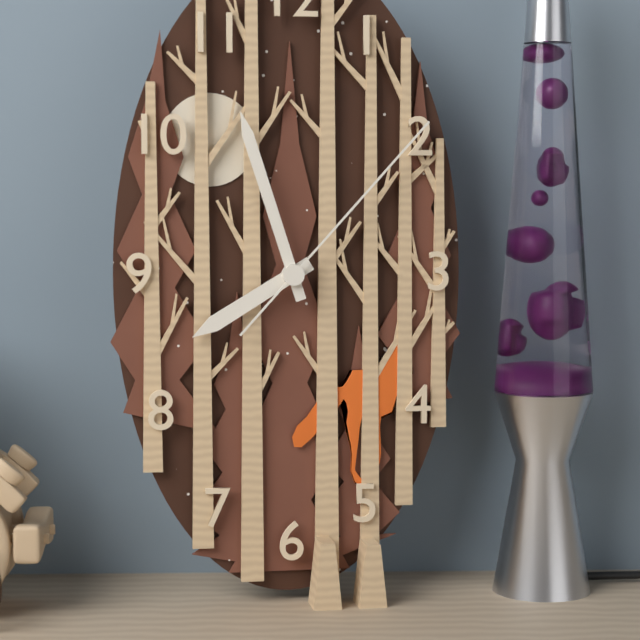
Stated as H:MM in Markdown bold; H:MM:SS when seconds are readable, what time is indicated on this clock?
**7:57:07**
